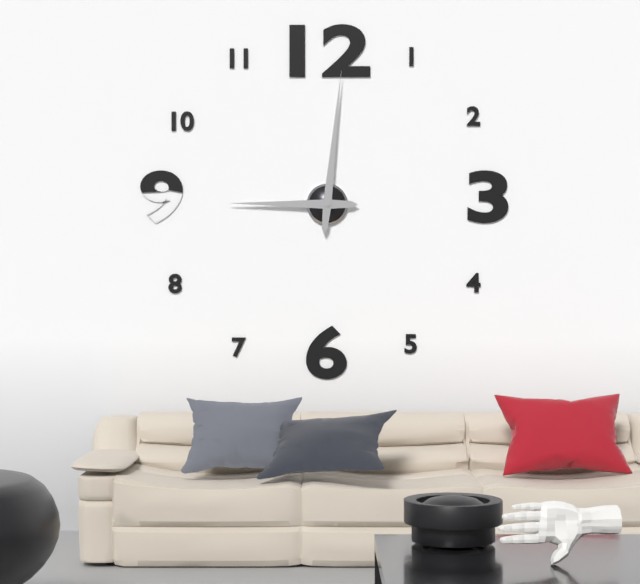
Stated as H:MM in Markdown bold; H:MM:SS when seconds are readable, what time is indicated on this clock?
**9:01**
